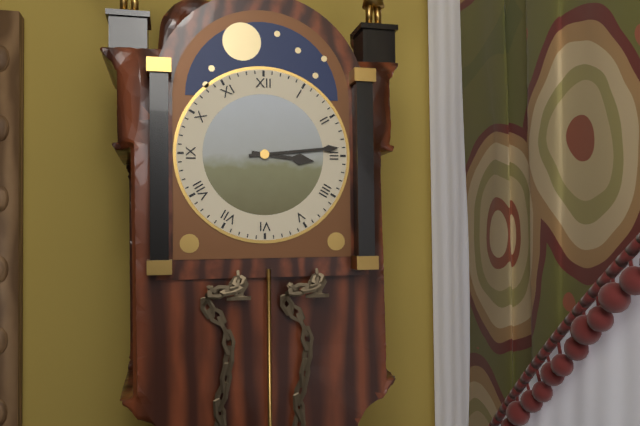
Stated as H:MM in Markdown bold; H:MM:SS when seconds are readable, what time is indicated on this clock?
**3:14**
